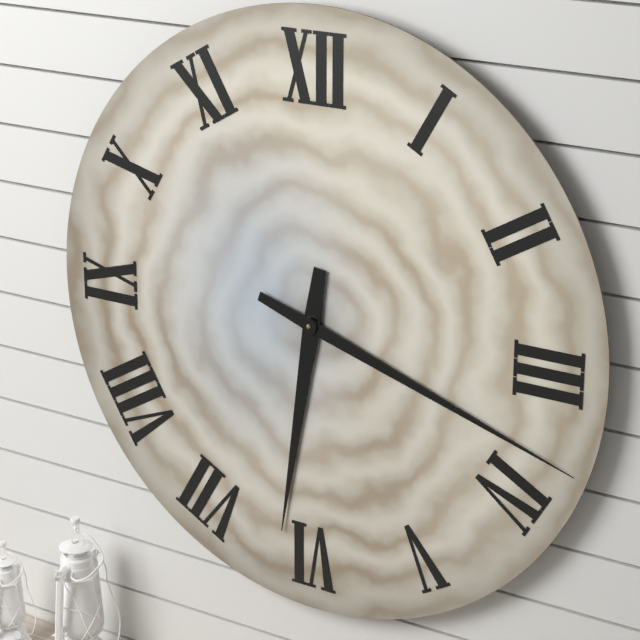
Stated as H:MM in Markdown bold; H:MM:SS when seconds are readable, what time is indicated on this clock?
**6:18**
